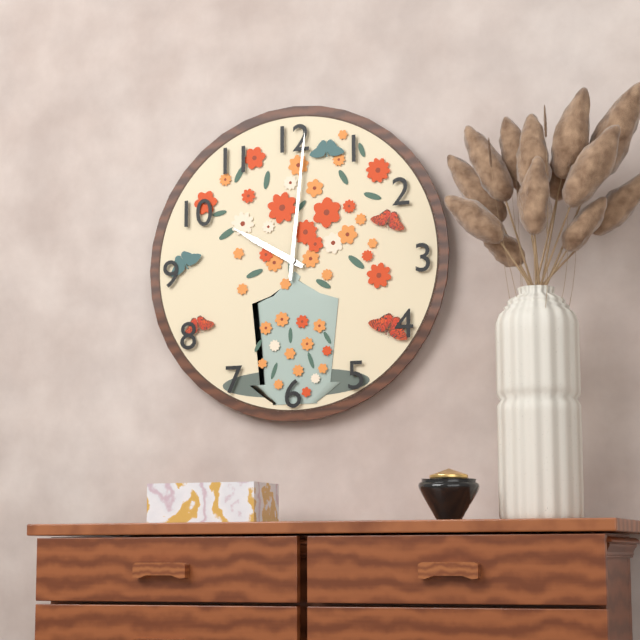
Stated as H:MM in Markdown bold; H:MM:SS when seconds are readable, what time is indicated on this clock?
**10:01**
